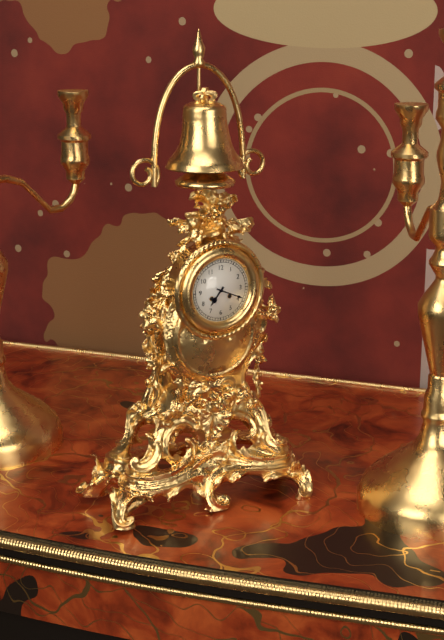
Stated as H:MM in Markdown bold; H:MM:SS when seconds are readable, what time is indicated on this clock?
**7:19**
